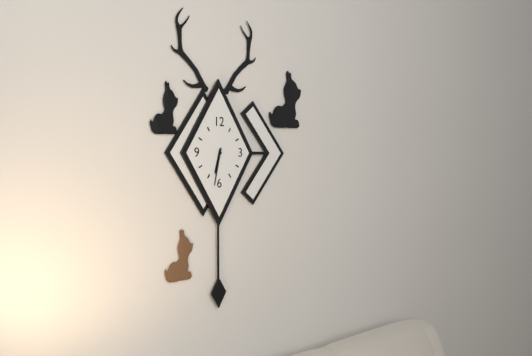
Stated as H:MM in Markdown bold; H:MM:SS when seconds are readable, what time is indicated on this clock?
**6:32**
